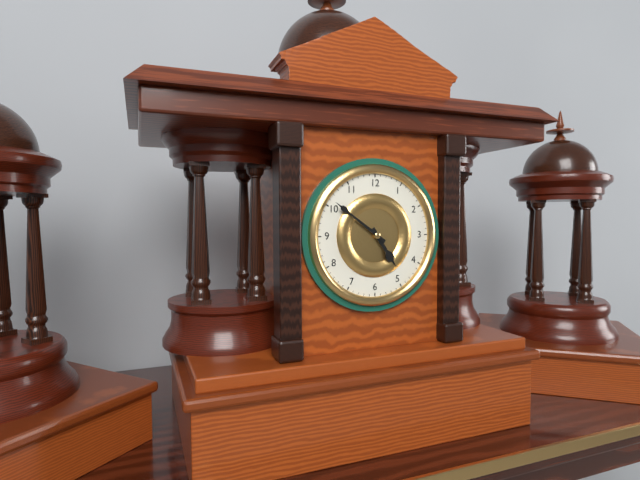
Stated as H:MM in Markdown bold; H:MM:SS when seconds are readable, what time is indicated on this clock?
**4:51**
